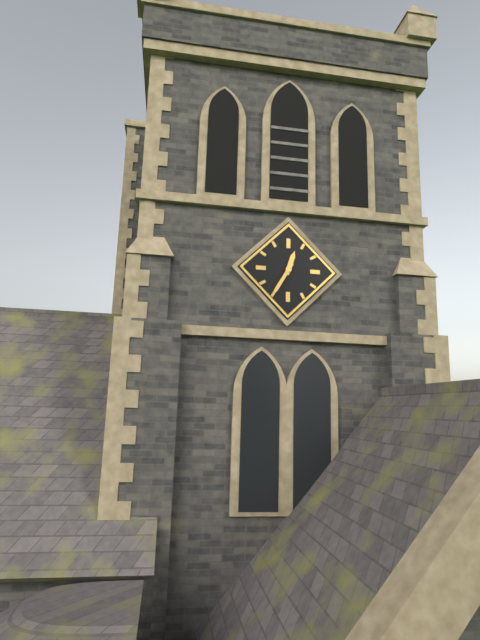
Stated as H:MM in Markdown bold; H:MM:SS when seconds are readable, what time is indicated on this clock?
**12:35**
